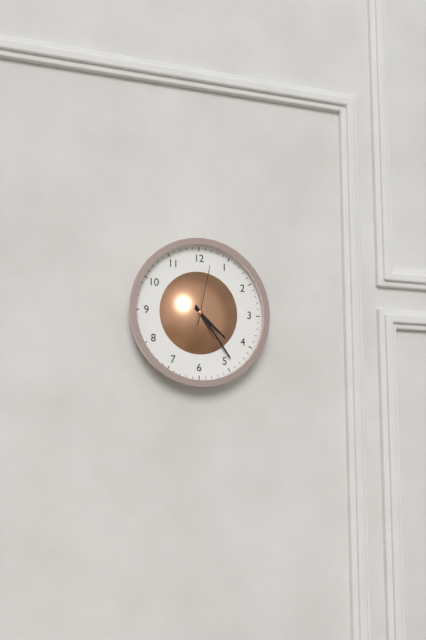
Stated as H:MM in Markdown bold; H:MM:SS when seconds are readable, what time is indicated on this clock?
**4:24:02**
